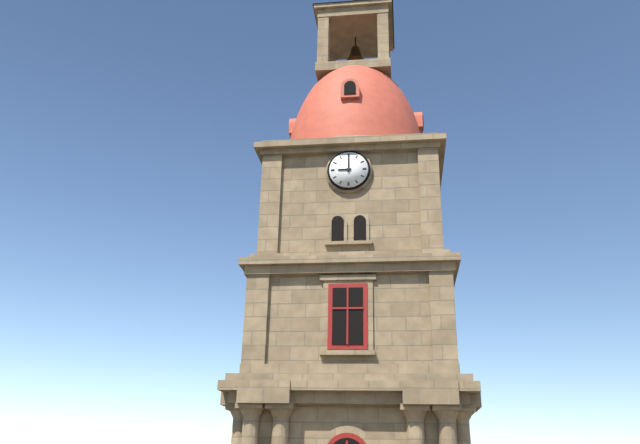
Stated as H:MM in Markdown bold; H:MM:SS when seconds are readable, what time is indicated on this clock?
**9:00**
